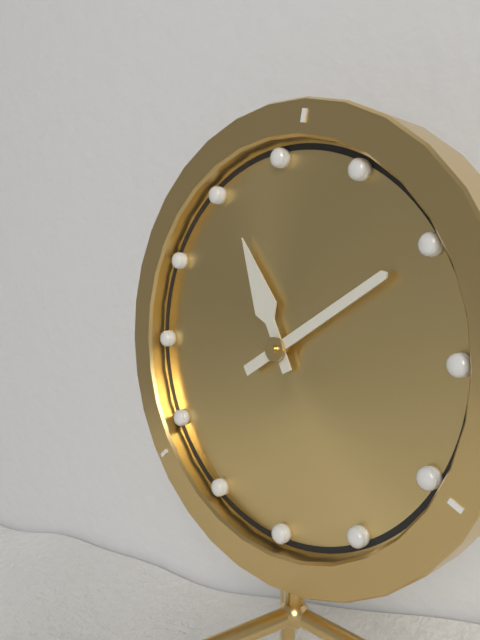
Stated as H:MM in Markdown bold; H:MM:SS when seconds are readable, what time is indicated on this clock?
**11:10**
